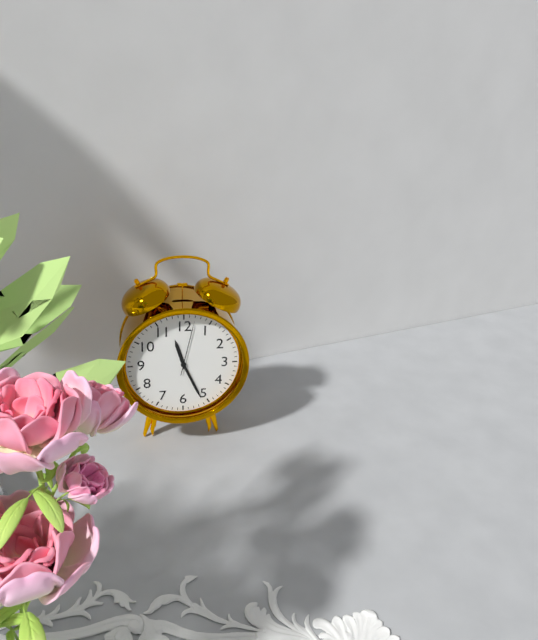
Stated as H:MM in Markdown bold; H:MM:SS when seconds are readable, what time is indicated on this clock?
**11:26:02**
